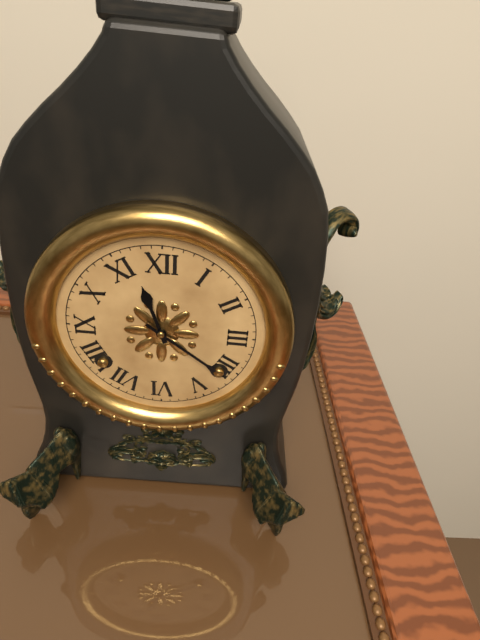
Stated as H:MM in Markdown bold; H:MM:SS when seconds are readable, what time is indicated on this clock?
**11:21**
